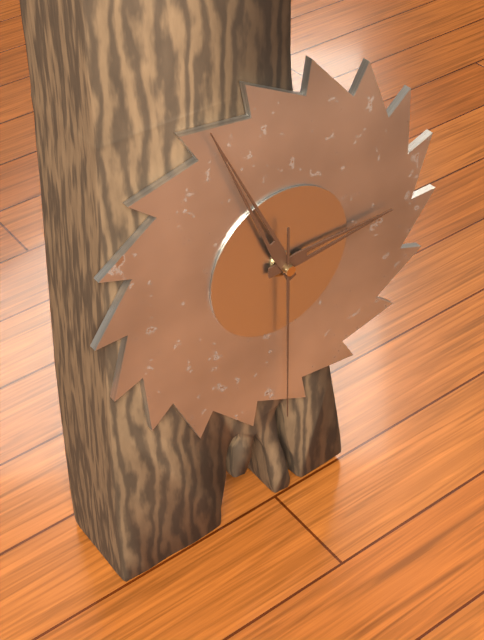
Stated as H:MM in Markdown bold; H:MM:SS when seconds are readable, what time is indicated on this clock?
**2:56:30**
